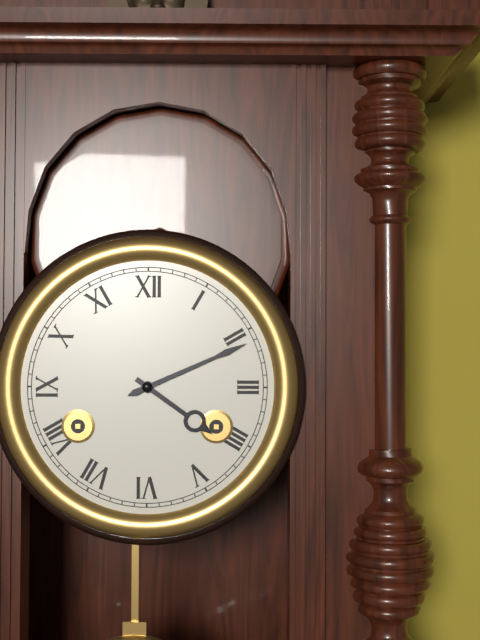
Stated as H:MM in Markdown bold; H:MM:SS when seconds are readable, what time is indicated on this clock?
**4:11**
